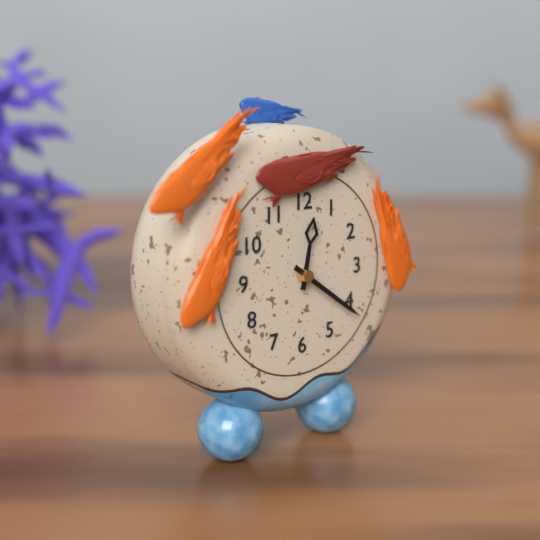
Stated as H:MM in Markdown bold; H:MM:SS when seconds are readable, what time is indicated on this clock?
**12:21**
